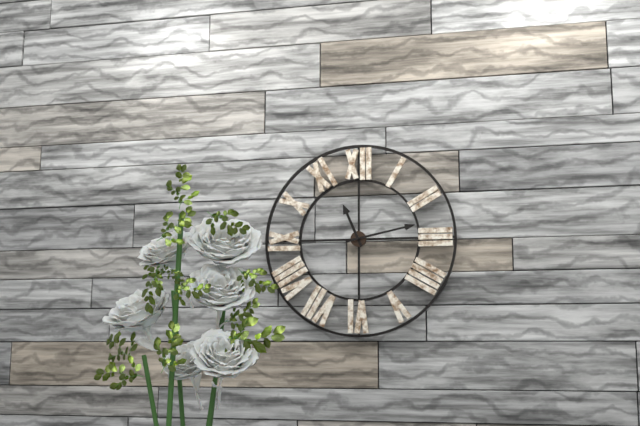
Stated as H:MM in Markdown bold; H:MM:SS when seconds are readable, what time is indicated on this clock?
**11:13**
